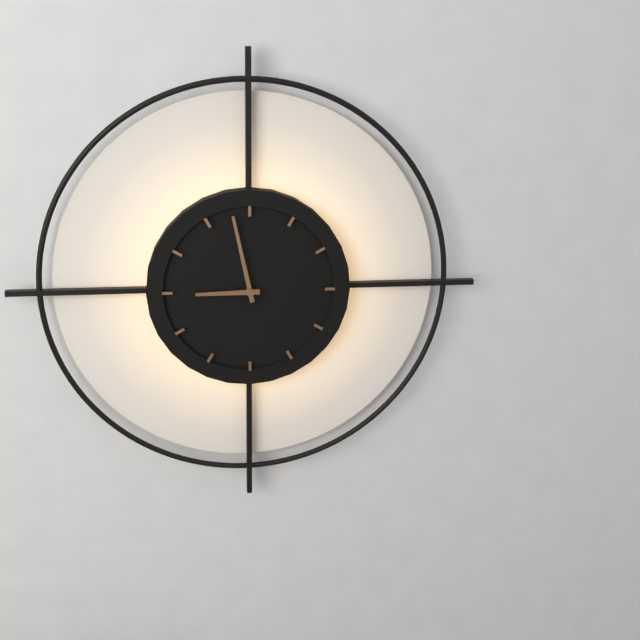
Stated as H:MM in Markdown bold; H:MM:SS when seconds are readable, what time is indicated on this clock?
**8:58**
